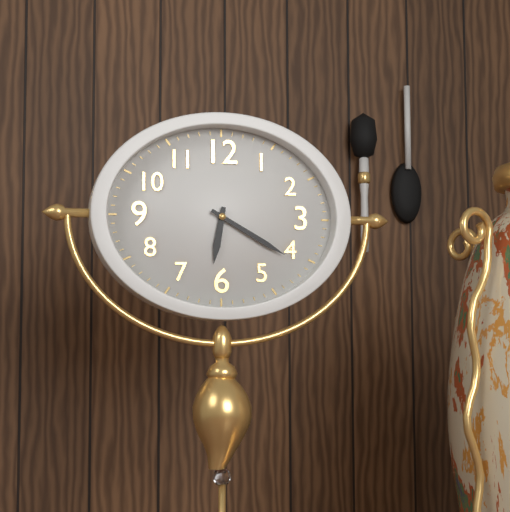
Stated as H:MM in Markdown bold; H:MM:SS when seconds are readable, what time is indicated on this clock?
**6:20**
